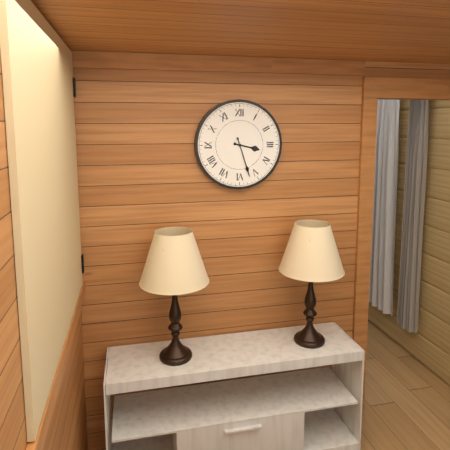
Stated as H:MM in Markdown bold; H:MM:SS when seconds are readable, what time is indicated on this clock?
**3:27**
